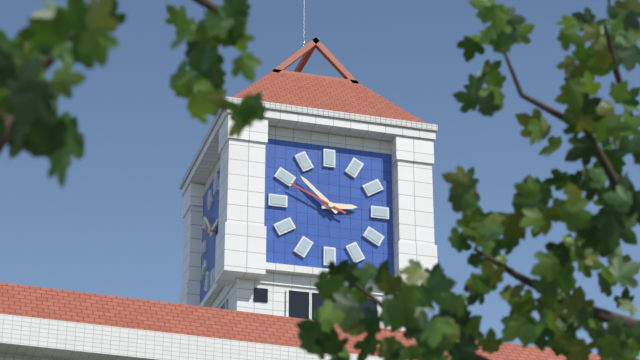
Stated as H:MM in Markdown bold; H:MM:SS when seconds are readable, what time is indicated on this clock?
**2:52:49**
